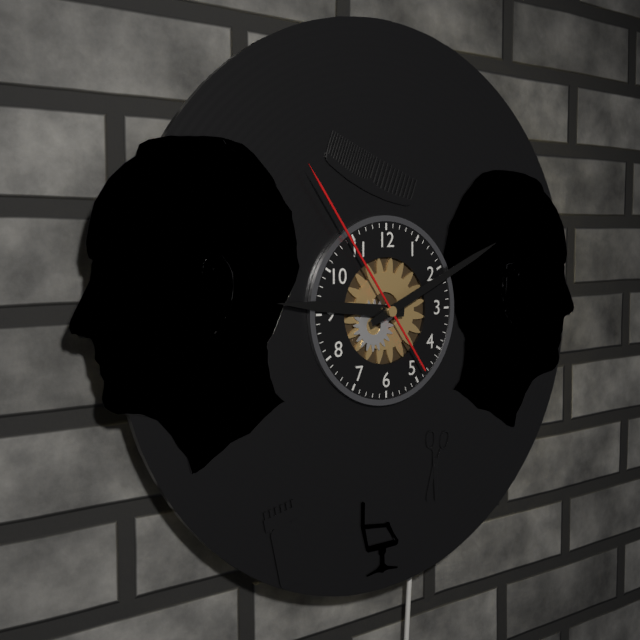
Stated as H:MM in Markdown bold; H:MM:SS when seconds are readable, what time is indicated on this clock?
**9:11:54**
